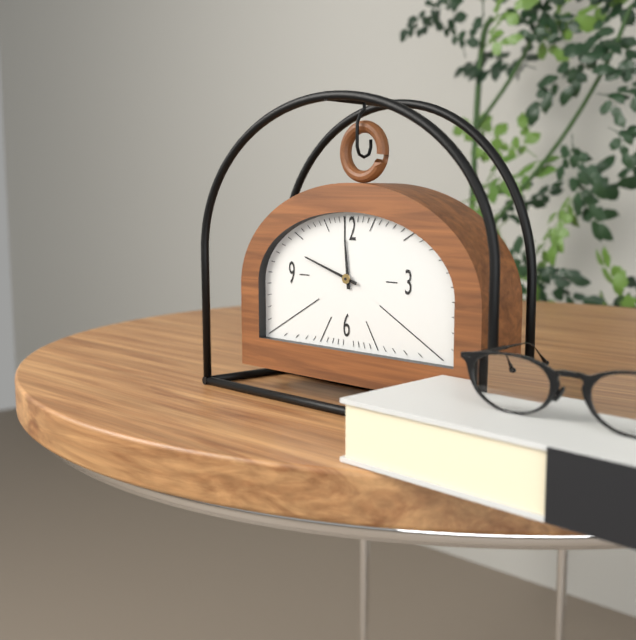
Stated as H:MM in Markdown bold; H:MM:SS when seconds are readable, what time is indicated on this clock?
**11:48**
